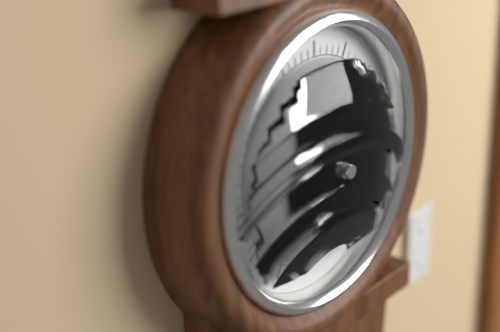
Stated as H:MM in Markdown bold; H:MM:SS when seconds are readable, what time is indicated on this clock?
**1:09**
